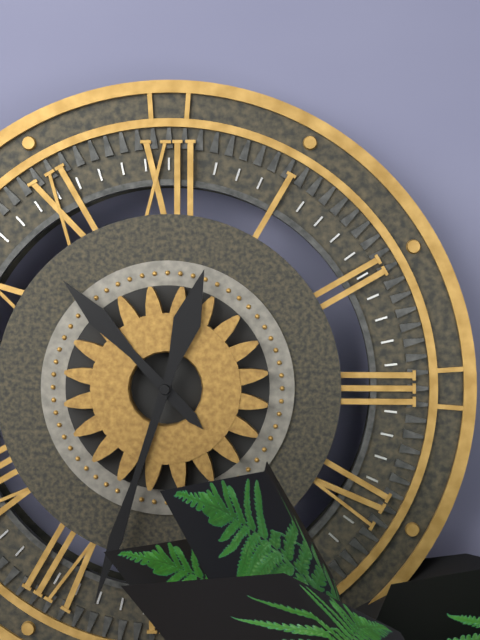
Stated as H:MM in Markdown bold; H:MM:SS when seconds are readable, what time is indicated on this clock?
**10:33**
